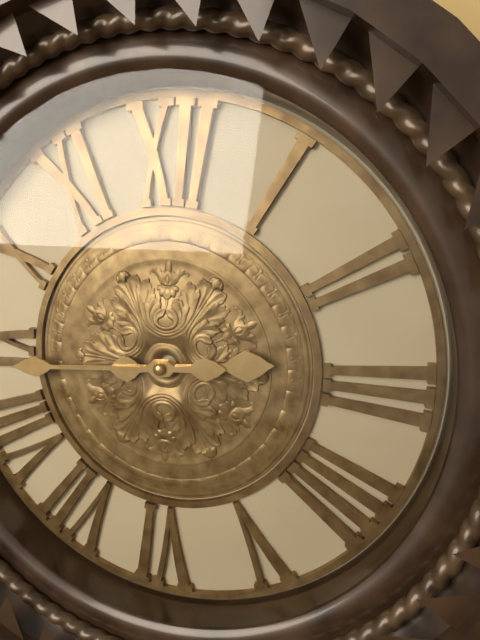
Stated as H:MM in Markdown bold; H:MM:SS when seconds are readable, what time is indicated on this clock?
**2:44**
